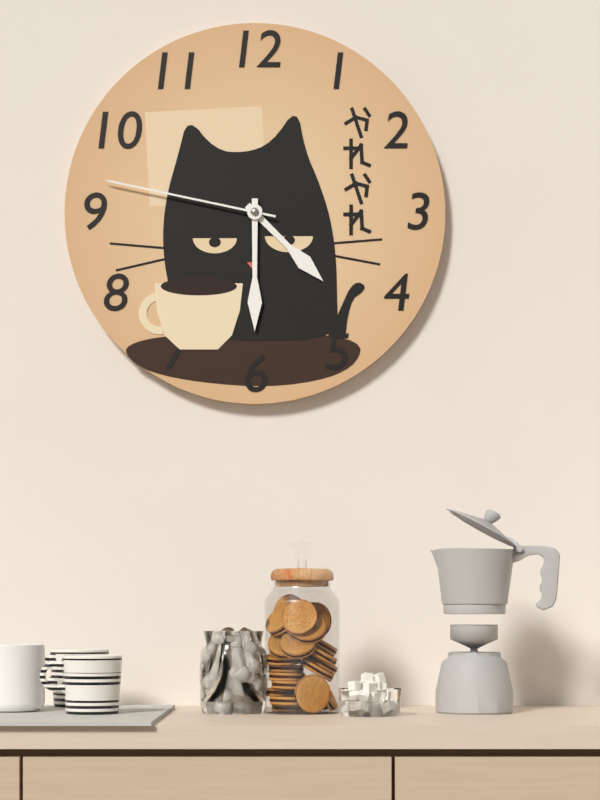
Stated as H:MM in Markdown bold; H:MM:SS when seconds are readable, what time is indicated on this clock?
**4:30:47**
